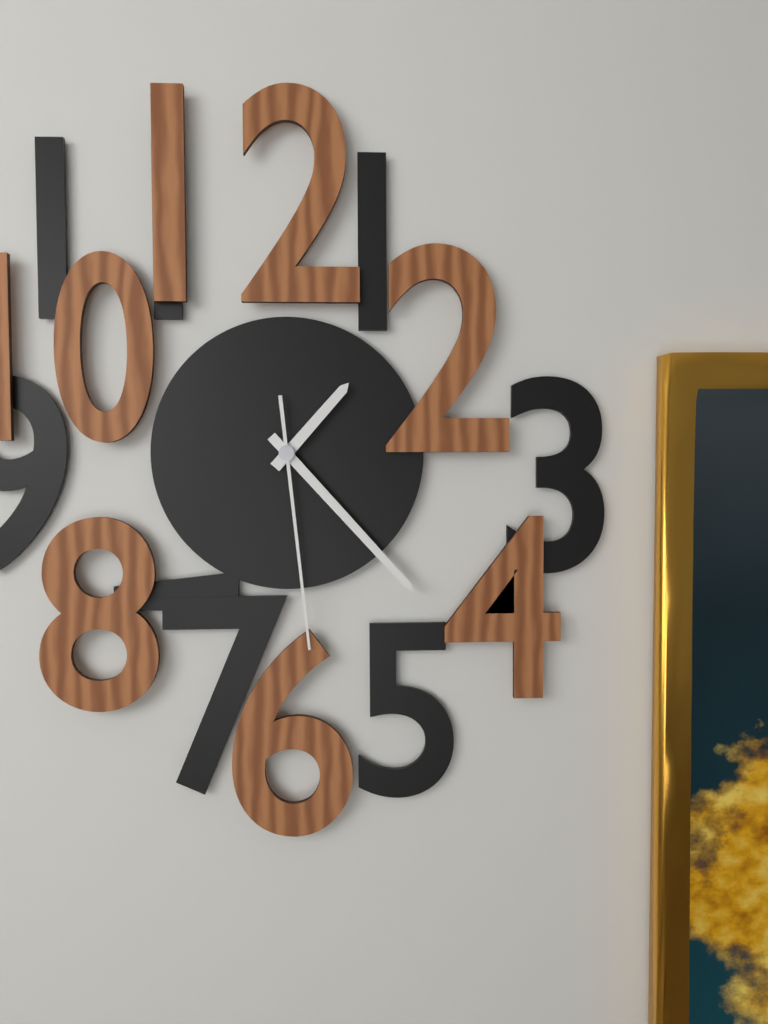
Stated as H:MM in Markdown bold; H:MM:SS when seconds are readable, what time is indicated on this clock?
**1:23:29**
